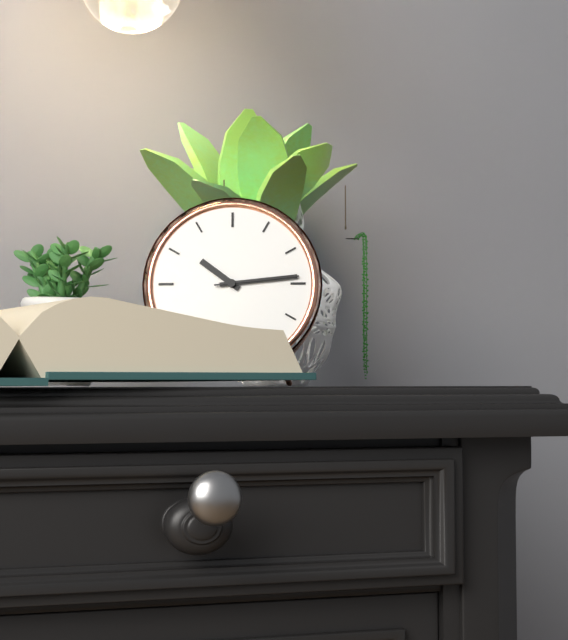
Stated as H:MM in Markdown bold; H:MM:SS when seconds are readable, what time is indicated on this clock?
**10:14:14**
